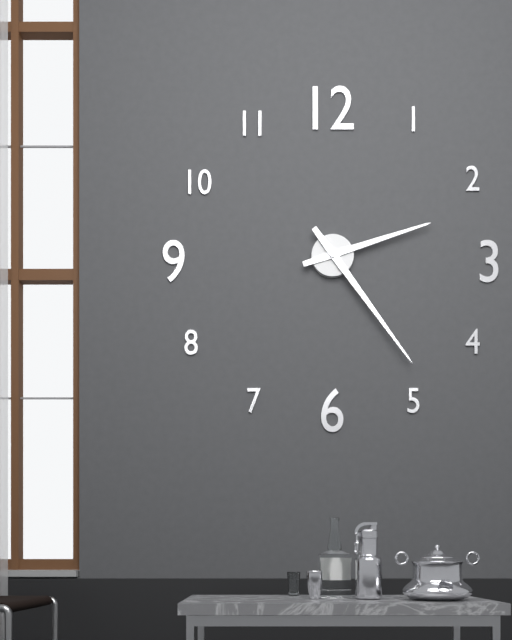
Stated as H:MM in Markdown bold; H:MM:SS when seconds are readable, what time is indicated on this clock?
**2:24**
